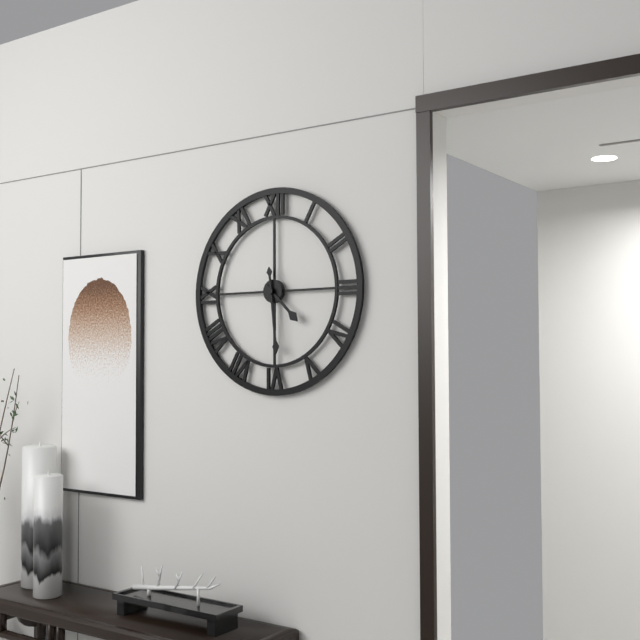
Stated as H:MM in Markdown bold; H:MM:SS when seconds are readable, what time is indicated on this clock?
**4:29**
